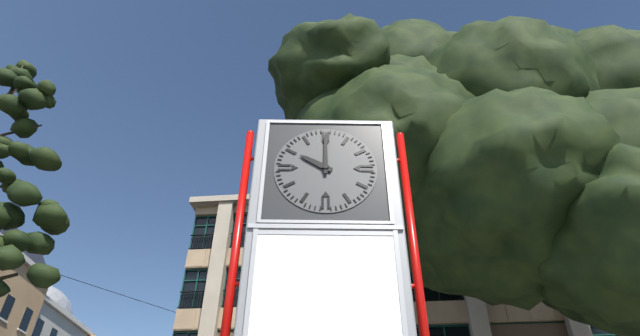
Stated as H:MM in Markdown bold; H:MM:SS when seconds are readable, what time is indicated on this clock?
**10:00**
